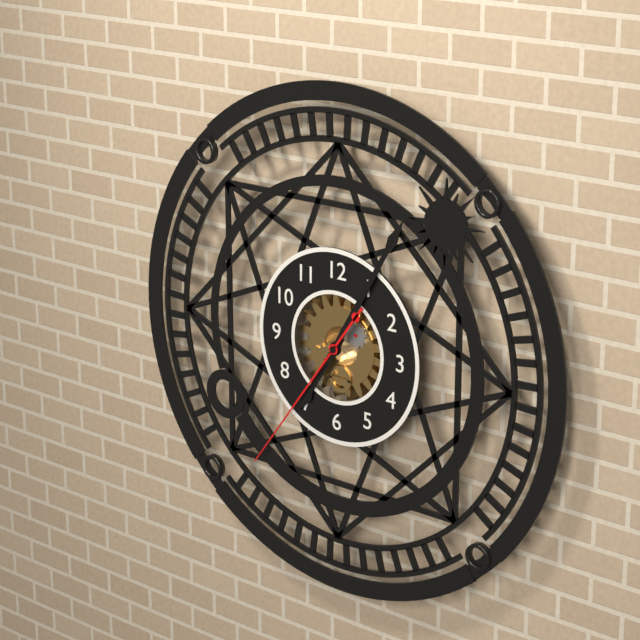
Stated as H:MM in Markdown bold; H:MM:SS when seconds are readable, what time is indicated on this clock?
**7:05:36**
